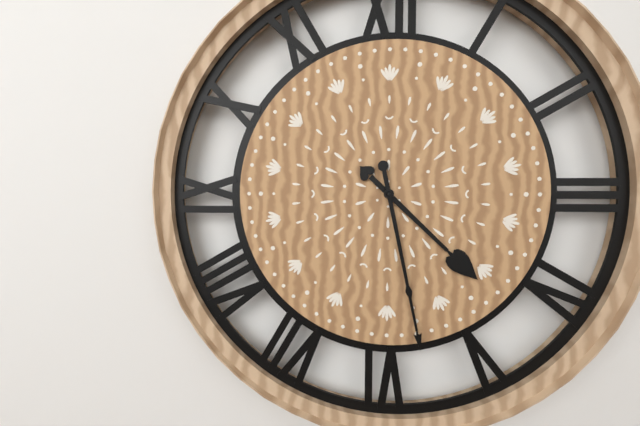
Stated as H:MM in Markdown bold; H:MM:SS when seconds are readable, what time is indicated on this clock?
**4:28**
